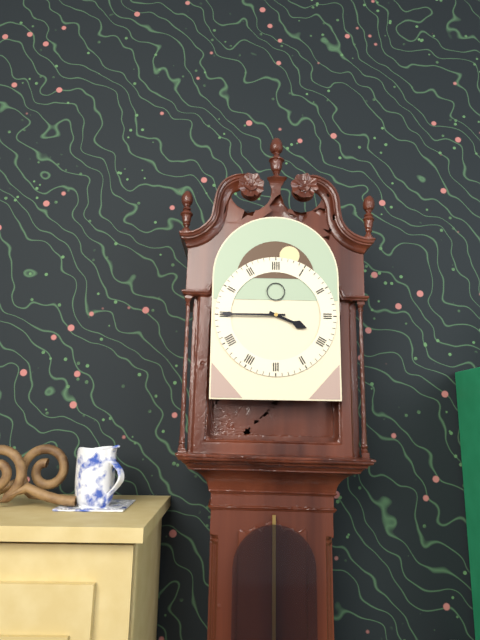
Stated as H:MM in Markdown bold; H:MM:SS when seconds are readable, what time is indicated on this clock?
**3:45**
